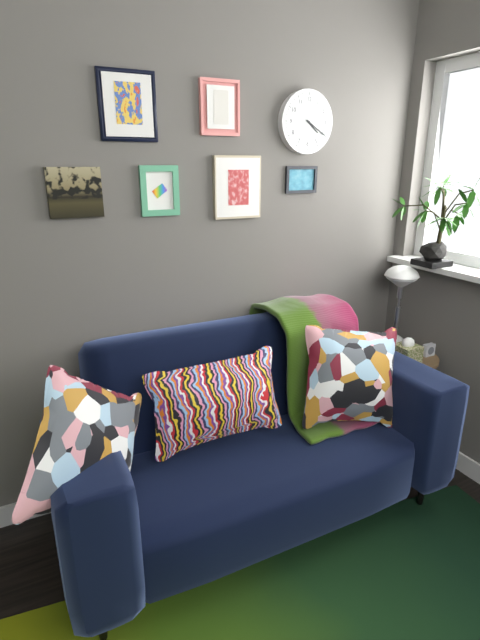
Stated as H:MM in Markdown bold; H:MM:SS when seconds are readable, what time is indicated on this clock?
**4:20**
